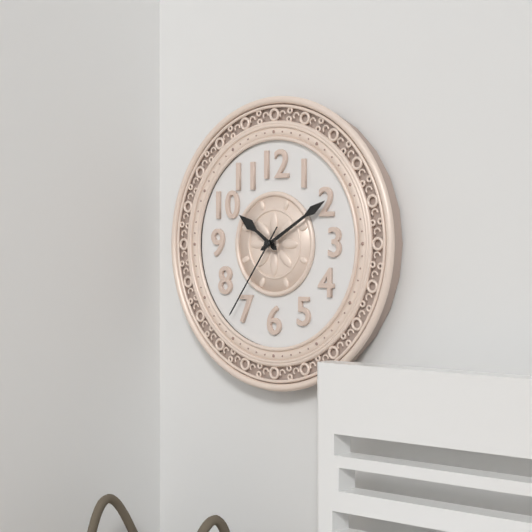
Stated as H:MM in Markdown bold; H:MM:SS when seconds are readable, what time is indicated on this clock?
**10:10:36**
